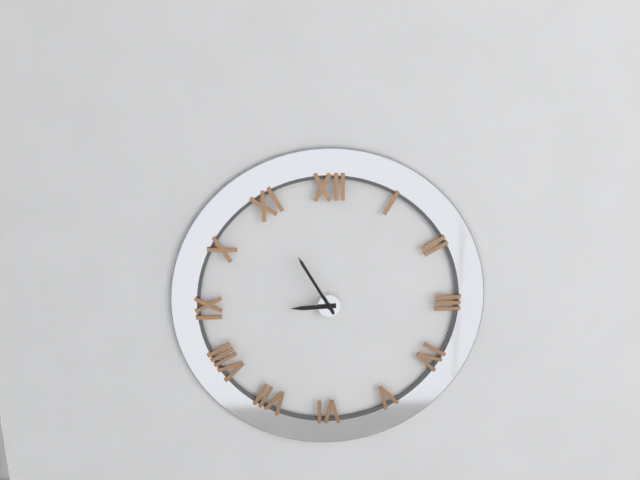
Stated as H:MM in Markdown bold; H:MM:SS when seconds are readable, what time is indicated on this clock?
**8:55**
